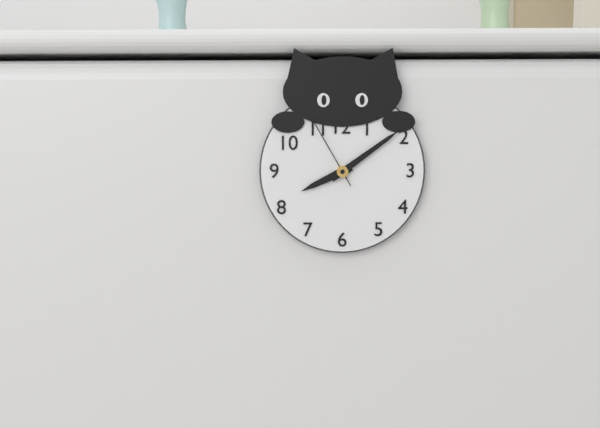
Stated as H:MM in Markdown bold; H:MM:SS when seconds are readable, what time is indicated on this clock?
**8:09:55**
